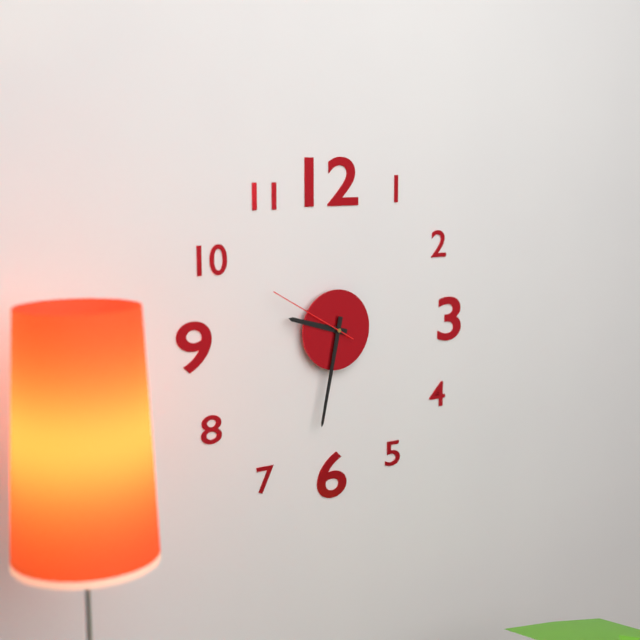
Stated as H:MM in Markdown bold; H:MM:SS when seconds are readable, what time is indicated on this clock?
**9:32:50**
